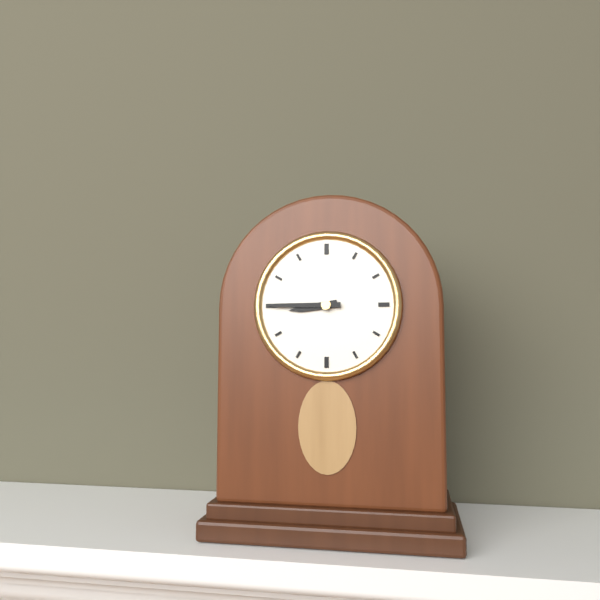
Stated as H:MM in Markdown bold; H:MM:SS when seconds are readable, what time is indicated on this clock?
**8:45**
